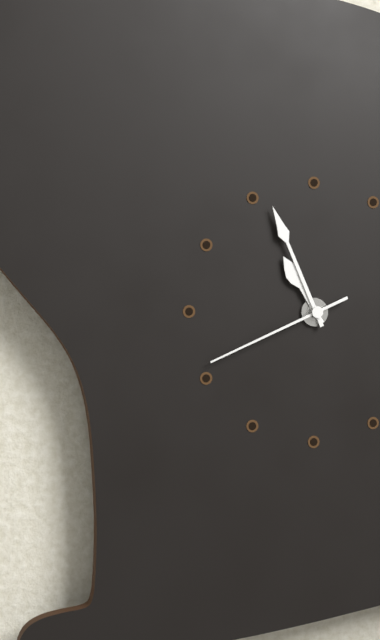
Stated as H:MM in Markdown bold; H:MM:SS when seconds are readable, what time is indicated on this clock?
**10:56:41**
